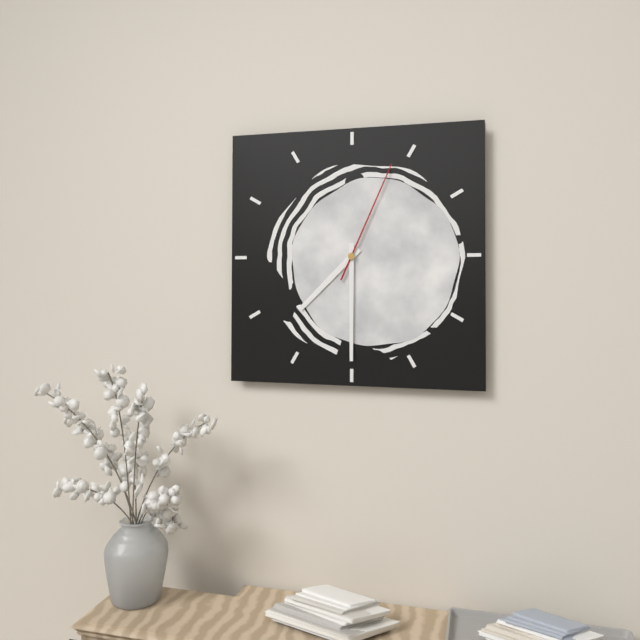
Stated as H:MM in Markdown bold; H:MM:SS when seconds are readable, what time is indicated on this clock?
**7:30:04**
